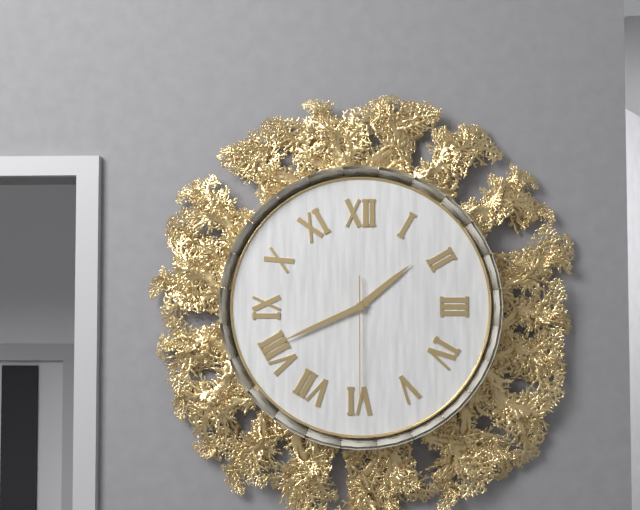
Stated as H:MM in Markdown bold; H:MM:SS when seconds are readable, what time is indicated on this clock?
**1:41:30**
